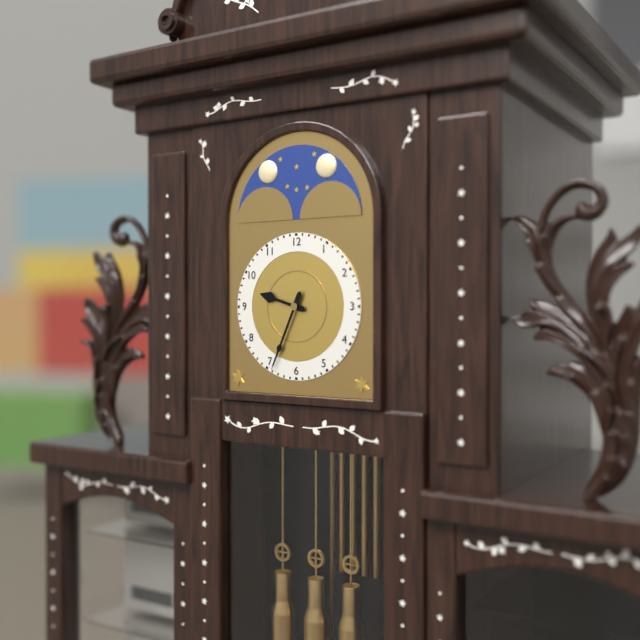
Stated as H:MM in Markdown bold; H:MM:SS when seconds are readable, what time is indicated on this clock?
**9:34**
